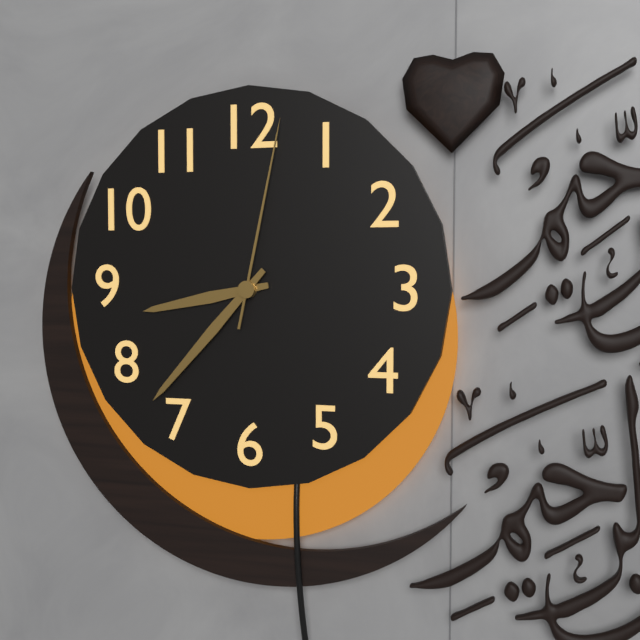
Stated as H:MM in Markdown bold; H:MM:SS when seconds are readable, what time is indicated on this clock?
**8:37:02**
